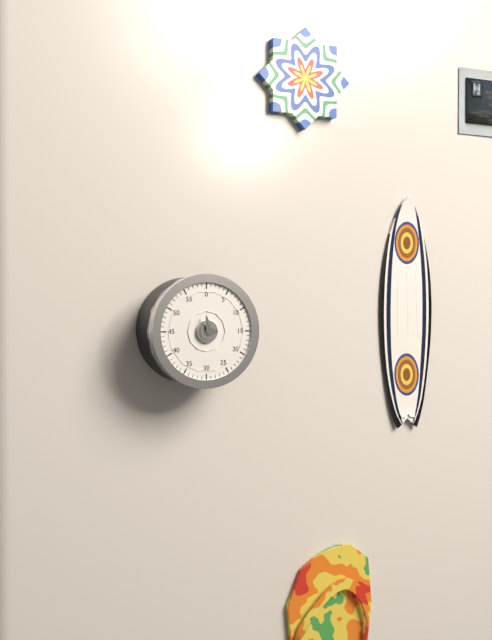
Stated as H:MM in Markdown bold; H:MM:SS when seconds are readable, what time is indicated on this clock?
**2:58**
